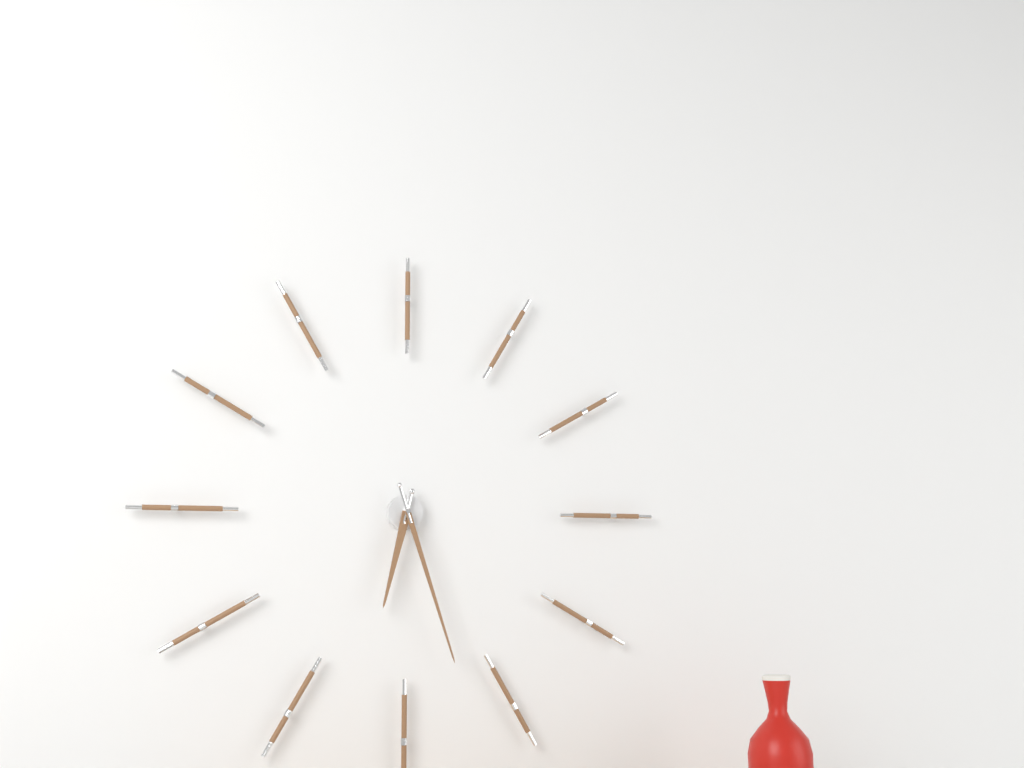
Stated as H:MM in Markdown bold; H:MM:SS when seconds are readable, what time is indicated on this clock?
**6:27**
